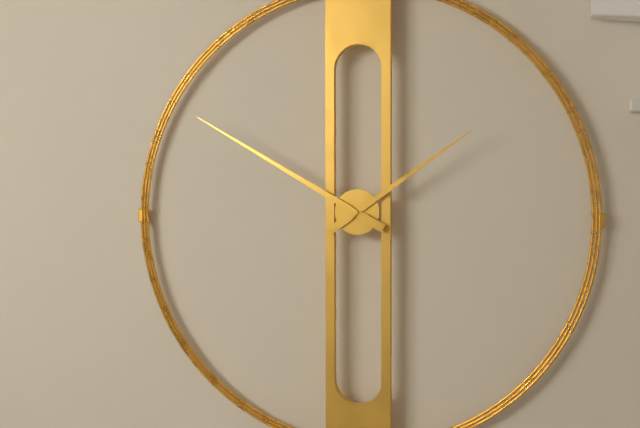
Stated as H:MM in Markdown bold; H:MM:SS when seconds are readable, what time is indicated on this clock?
**1:50**
